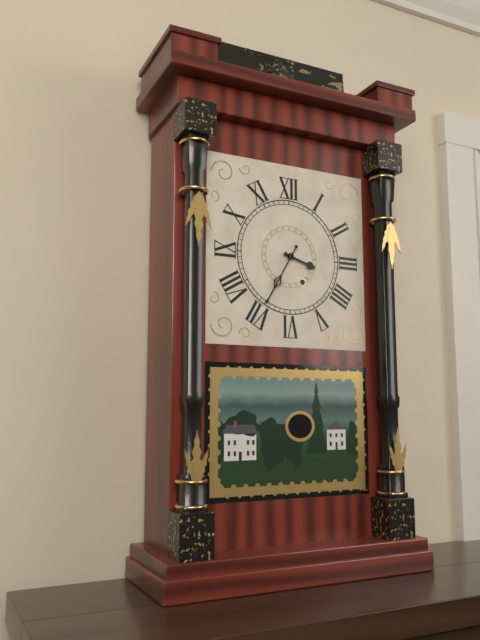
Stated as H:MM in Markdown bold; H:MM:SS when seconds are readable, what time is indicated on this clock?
**3:35**
